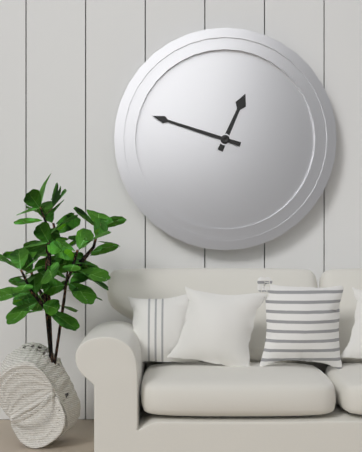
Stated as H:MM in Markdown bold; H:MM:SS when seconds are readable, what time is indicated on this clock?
**12:48**
